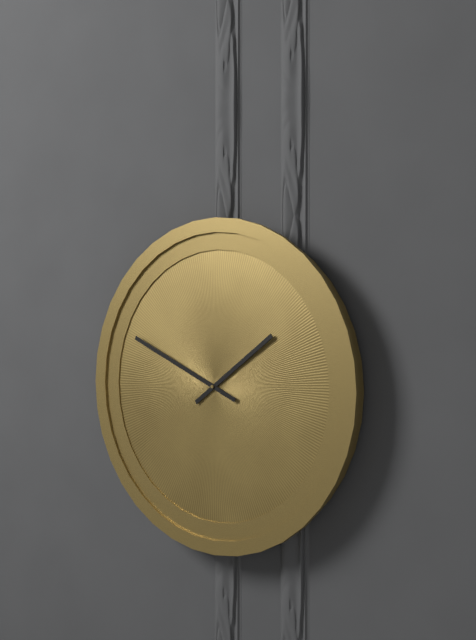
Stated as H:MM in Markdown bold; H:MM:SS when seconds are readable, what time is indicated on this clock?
**1:49**
